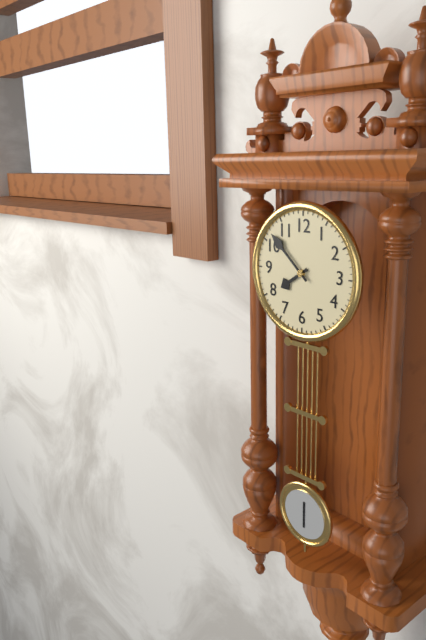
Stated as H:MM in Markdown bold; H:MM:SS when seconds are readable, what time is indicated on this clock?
**7:52**
